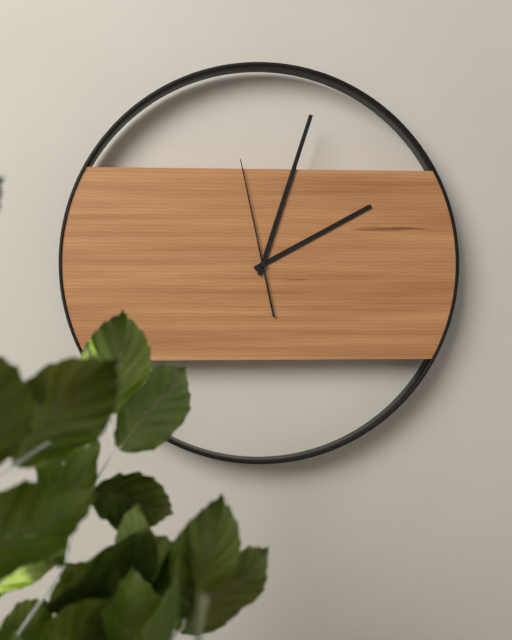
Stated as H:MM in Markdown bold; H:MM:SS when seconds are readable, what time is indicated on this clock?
**2:03:58**
